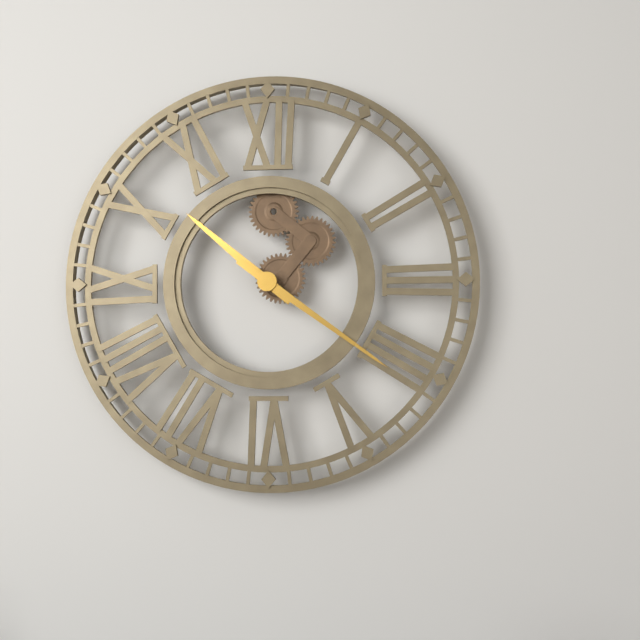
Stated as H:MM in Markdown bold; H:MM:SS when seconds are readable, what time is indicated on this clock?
**10:21**
